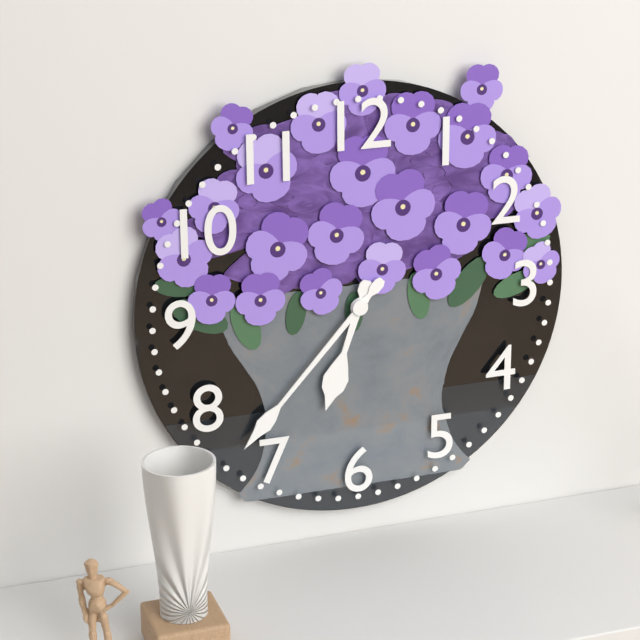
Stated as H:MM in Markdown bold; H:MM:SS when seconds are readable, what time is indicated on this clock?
**6:37**
